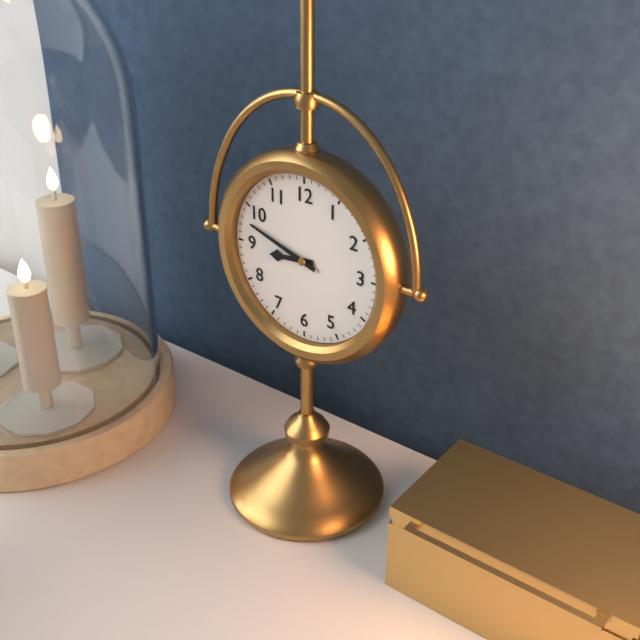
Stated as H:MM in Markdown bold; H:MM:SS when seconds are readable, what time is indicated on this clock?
**8:48**
